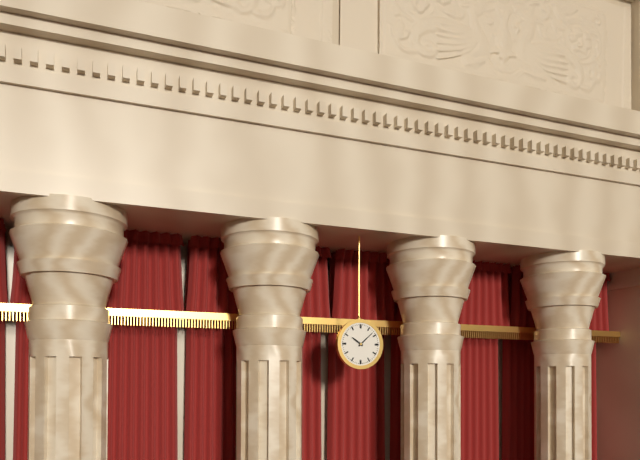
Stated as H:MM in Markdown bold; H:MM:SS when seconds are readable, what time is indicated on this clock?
**10:08**
